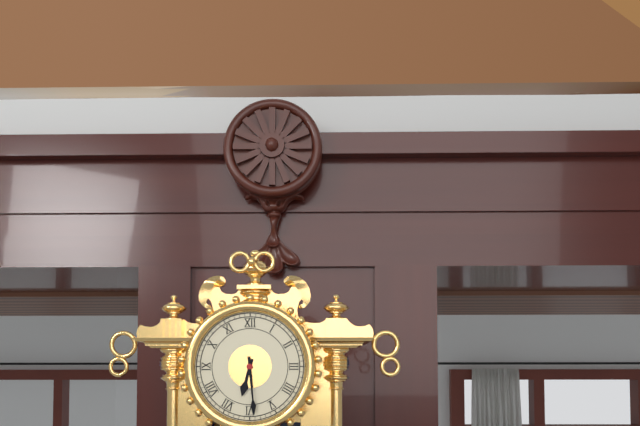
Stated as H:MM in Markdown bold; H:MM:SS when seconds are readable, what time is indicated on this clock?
**6:29**
